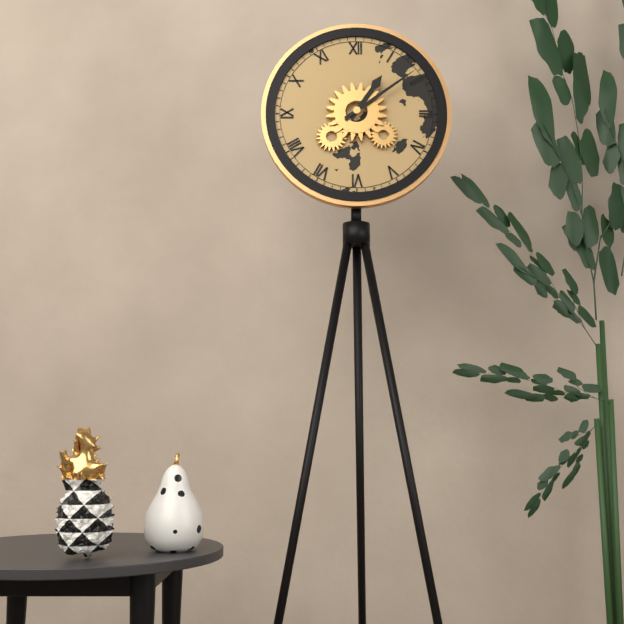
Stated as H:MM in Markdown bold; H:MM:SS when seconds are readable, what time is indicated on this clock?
**1:09**
